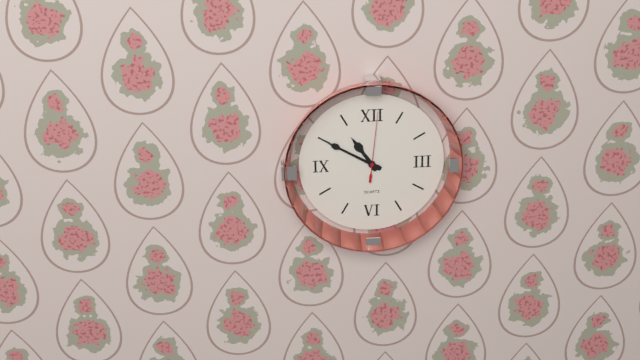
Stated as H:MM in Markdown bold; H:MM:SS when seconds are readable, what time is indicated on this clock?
**10:50:01**
